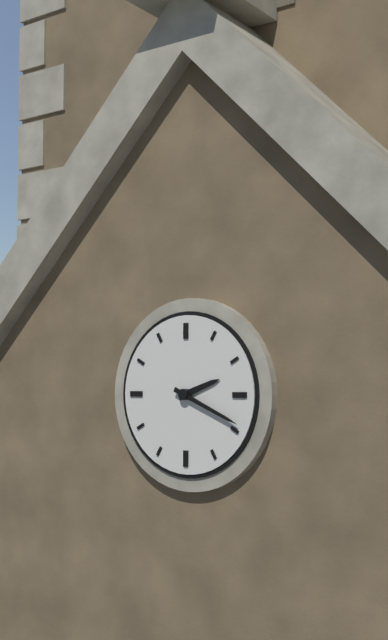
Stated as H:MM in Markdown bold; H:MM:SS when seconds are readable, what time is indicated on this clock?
**2:19**
